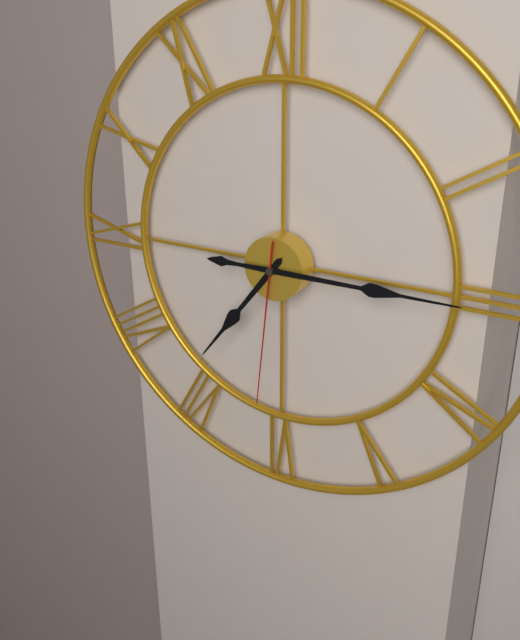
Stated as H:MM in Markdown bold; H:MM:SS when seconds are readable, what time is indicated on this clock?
**7:15:31**
